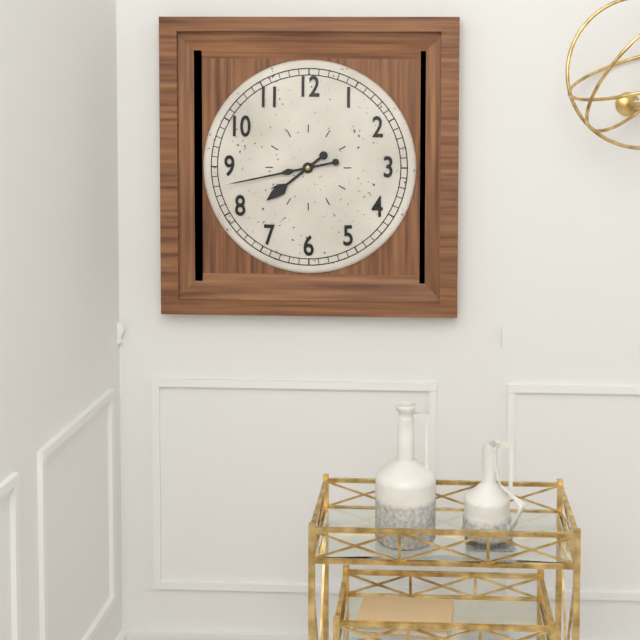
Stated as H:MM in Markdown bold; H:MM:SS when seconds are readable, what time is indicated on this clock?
**7:43**
